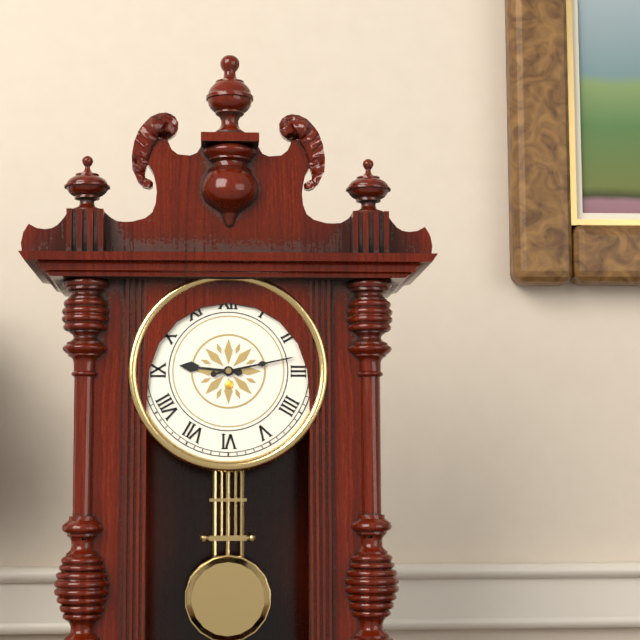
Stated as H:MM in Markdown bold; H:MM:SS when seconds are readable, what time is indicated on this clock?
**9:13**
